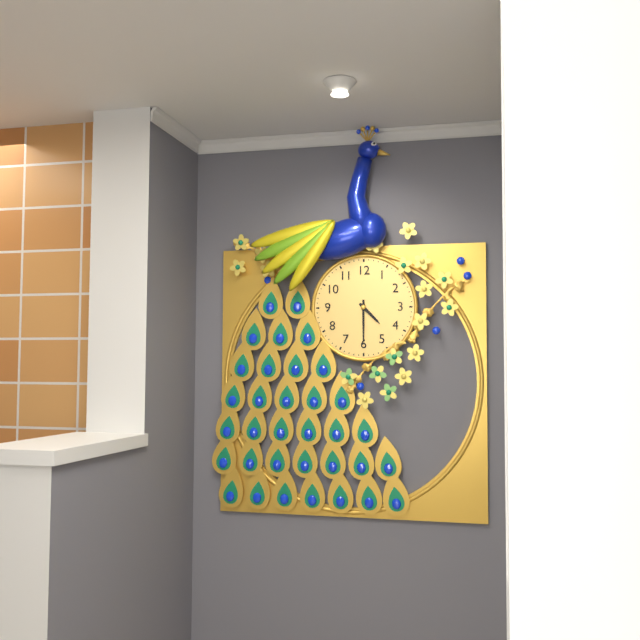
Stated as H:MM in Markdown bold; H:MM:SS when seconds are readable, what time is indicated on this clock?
**4:30**
